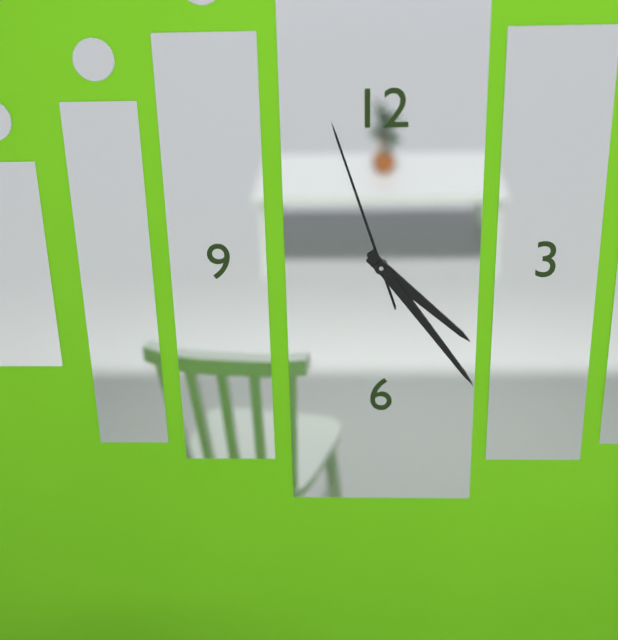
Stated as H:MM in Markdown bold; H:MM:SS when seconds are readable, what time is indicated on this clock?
**4:24:57**
